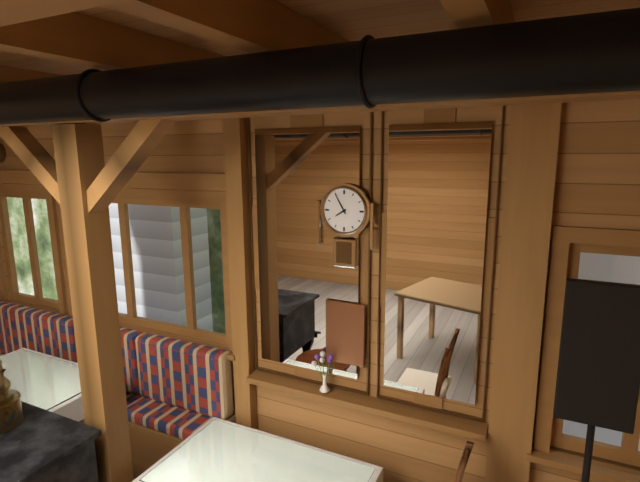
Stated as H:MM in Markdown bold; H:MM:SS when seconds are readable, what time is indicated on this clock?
**7:55**
